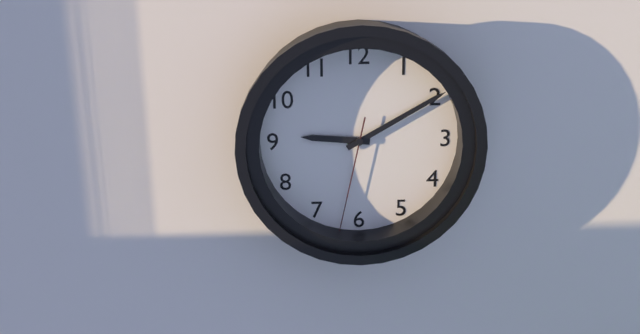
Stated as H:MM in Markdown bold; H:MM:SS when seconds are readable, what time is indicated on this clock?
**9:10:32**
